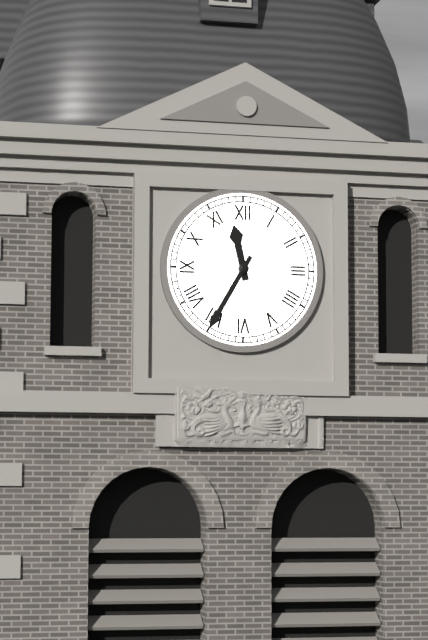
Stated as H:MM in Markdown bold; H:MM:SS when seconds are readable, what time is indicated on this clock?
**11:35**
